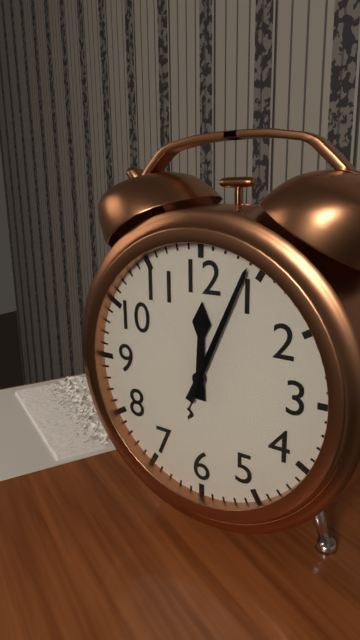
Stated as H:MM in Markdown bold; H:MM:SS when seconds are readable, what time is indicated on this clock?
**12:04**
